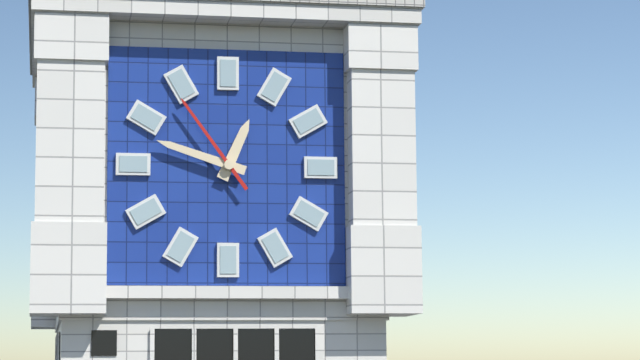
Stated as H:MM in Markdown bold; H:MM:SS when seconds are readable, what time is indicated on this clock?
**12:48:54**
